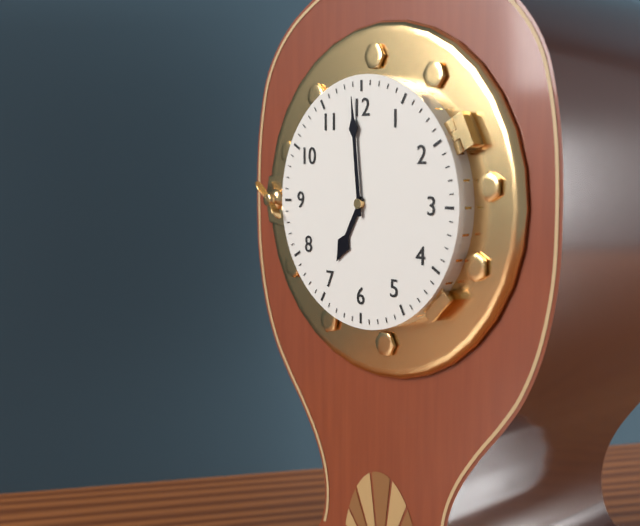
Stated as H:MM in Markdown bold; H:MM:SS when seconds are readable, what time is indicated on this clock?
**6:59**
